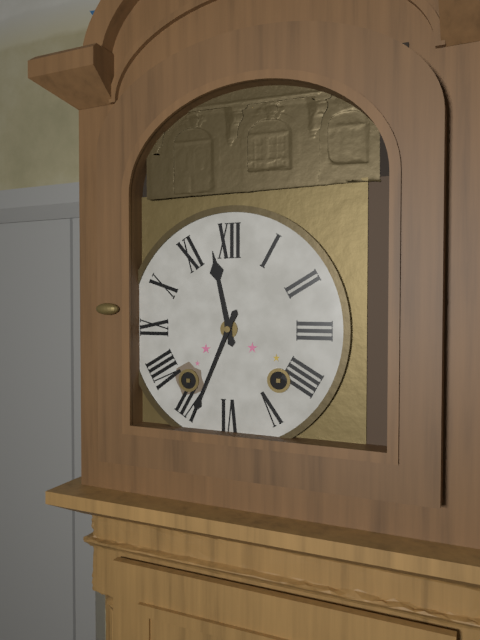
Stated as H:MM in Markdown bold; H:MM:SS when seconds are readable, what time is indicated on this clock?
**11:34**
